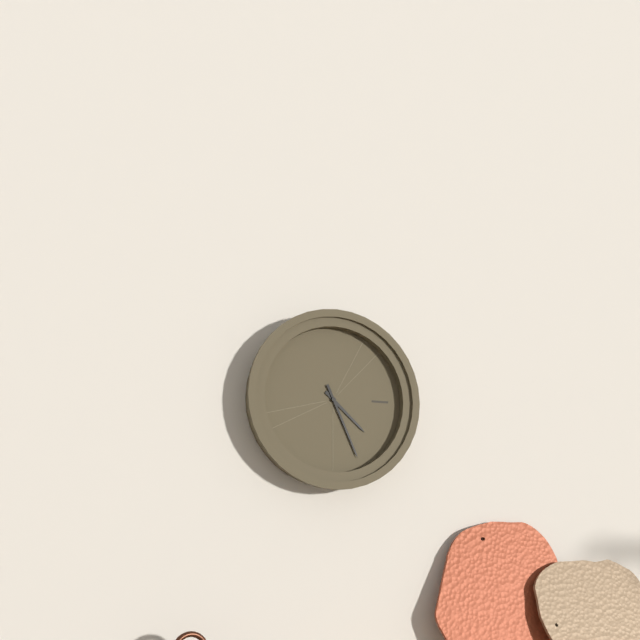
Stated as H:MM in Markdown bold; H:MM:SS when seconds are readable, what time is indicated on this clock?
**4:26**
